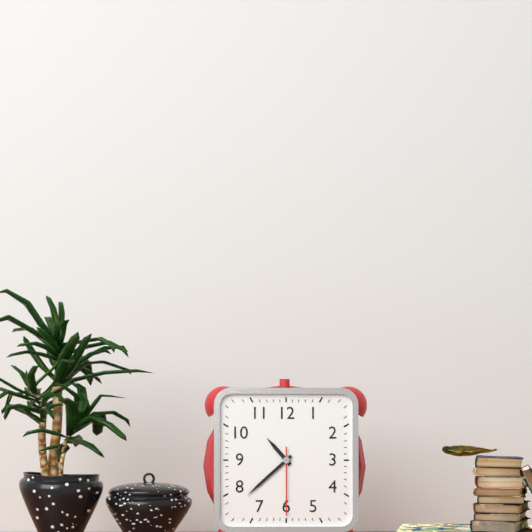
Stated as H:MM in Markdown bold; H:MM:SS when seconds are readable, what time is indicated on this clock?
**10:38:30**
